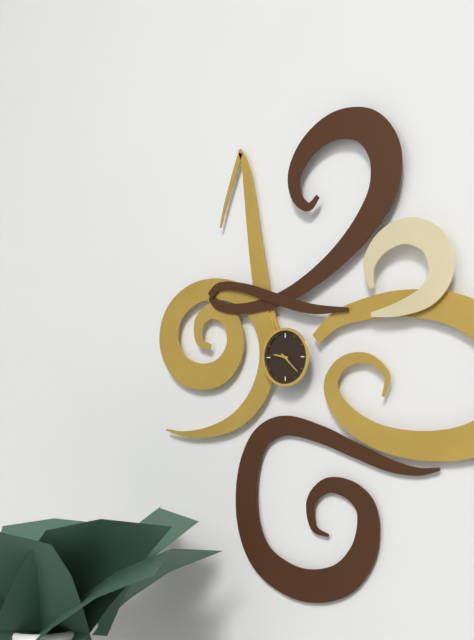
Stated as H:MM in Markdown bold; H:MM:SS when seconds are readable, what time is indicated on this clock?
**9:22**
